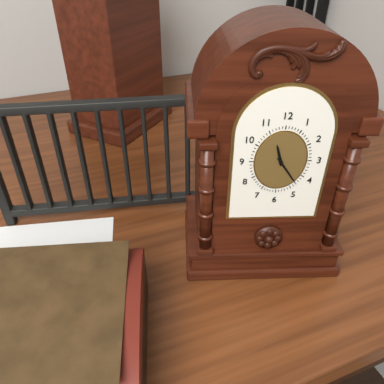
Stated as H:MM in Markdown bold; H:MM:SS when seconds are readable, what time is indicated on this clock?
**11:24**
